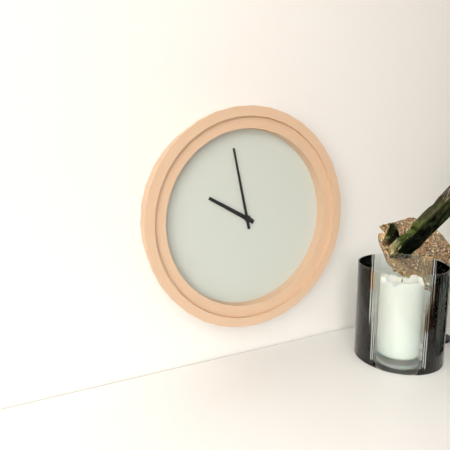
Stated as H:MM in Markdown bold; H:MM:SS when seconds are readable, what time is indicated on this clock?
**9:58**
